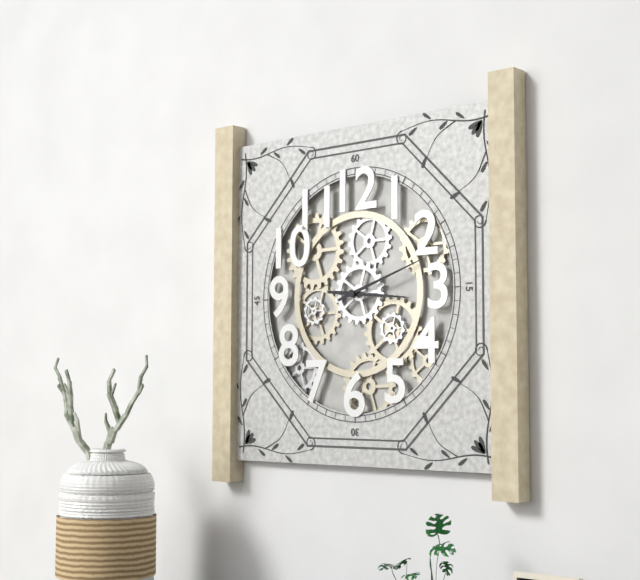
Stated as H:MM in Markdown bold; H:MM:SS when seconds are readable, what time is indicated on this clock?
**3:12**
